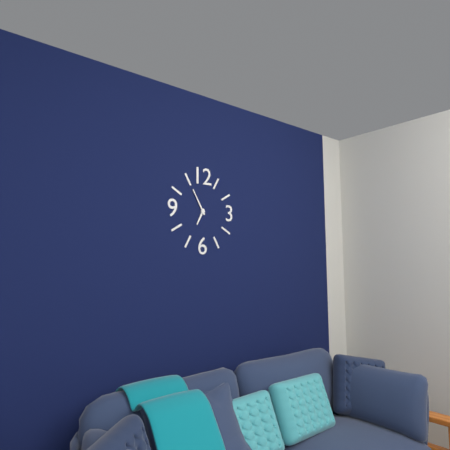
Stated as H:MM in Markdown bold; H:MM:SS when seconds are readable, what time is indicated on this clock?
**6:55**
